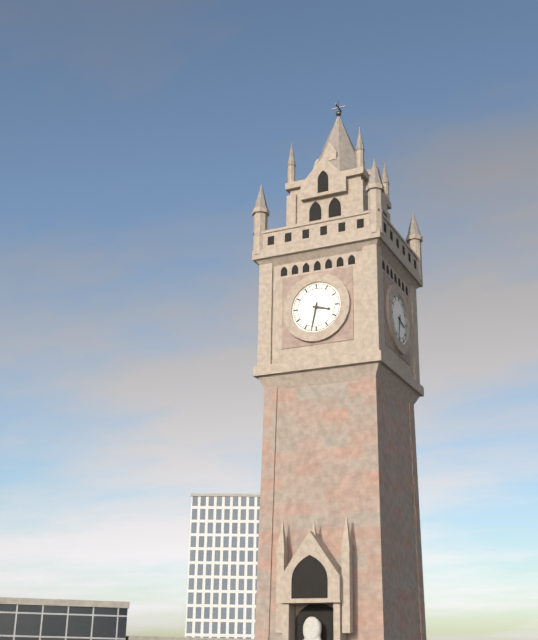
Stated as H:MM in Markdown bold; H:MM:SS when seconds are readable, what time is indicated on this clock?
**3:32**
